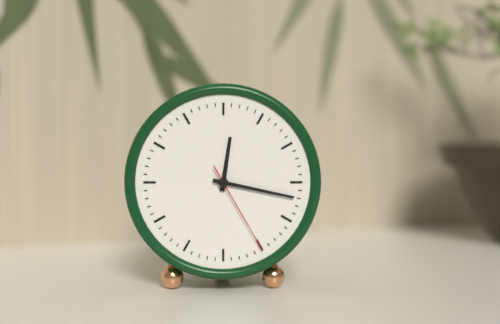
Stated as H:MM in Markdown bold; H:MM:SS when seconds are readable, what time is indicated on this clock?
**12:17:25**
